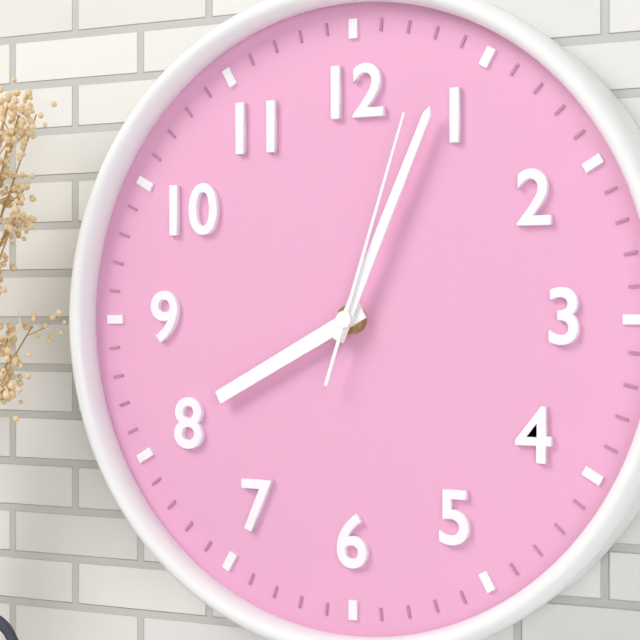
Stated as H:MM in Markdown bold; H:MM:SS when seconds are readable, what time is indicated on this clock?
**8:04:03**
